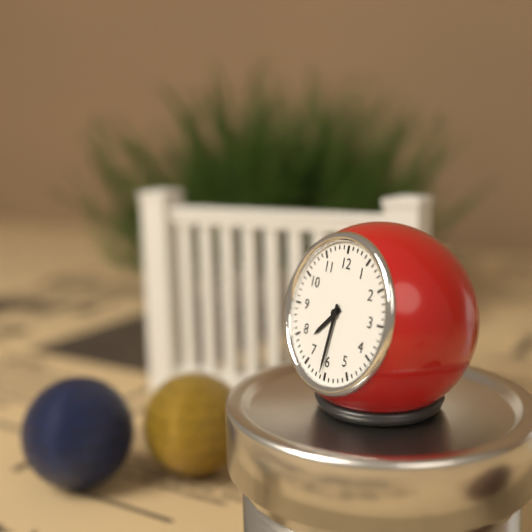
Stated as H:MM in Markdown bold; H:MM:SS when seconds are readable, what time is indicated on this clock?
**7:31**
